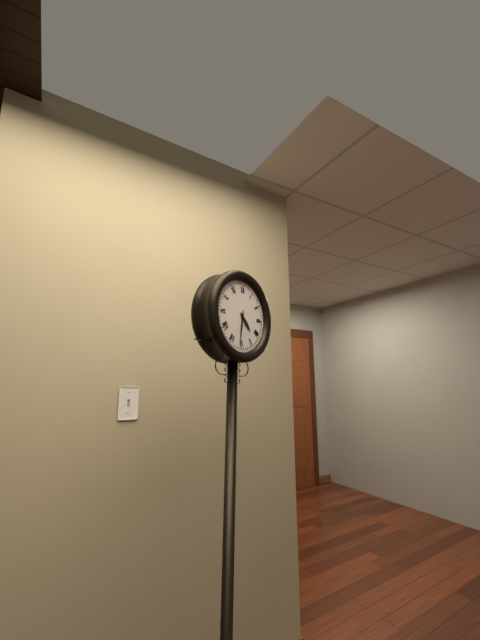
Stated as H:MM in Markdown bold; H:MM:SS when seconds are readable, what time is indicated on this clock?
**4:31**
